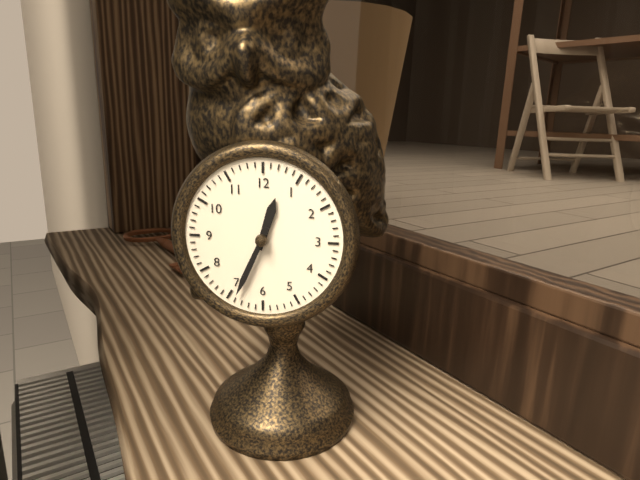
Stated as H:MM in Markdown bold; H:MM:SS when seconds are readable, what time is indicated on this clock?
**12:34**
